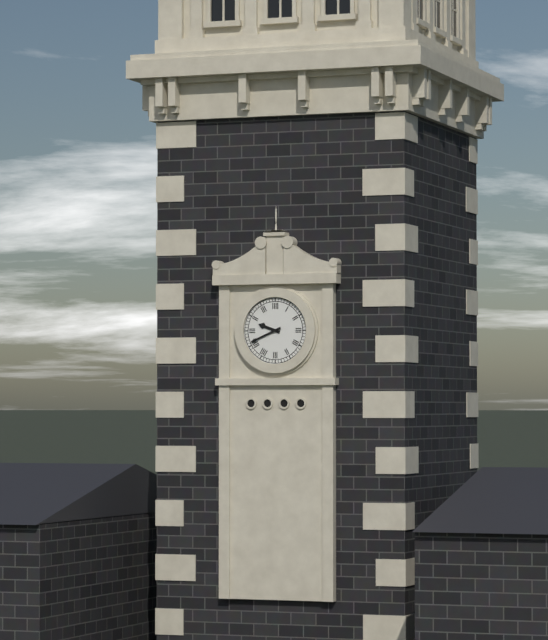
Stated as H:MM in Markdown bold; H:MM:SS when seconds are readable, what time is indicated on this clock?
**9:41**
